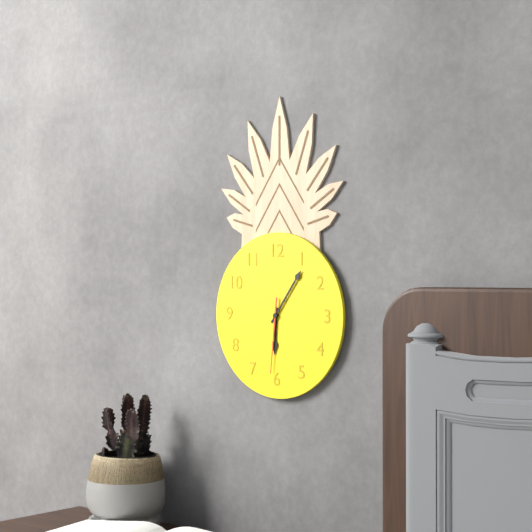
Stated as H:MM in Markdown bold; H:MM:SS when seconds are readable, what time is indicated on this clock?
**6:06:31**
